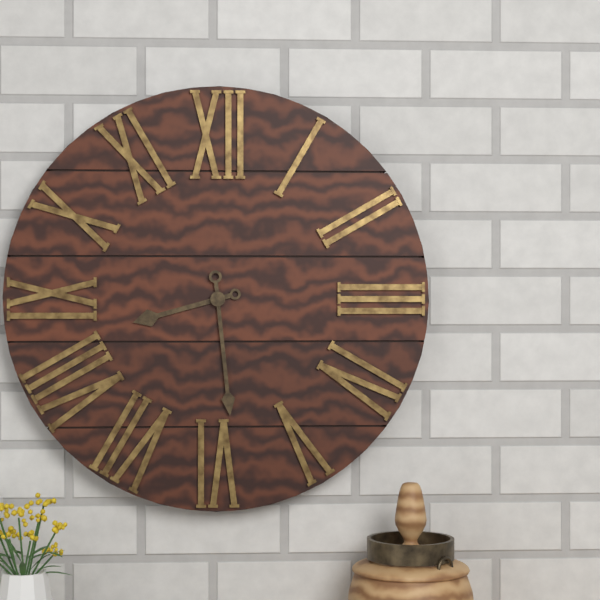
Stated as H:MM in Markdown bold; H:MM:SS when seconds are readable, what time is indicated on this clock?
**8:29**
